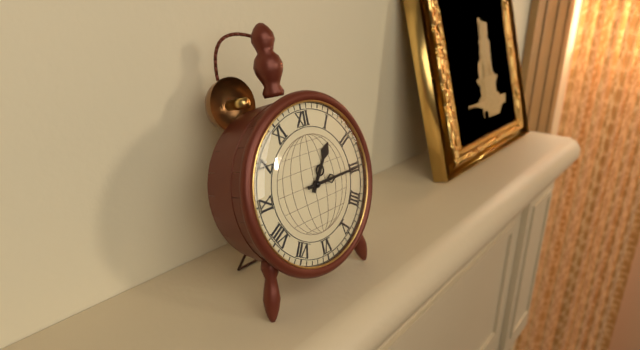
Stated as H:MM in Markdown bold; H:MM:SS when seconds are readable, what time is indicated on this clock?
**1:15**
